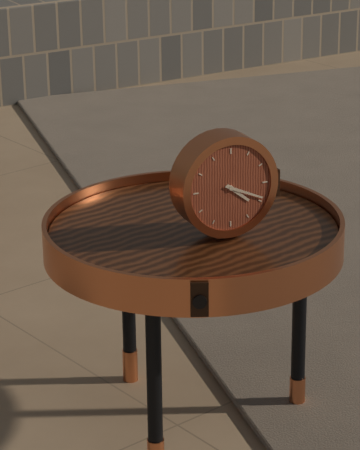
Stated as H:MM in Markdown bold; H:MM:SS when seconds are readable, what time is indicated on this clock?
**4:19**
